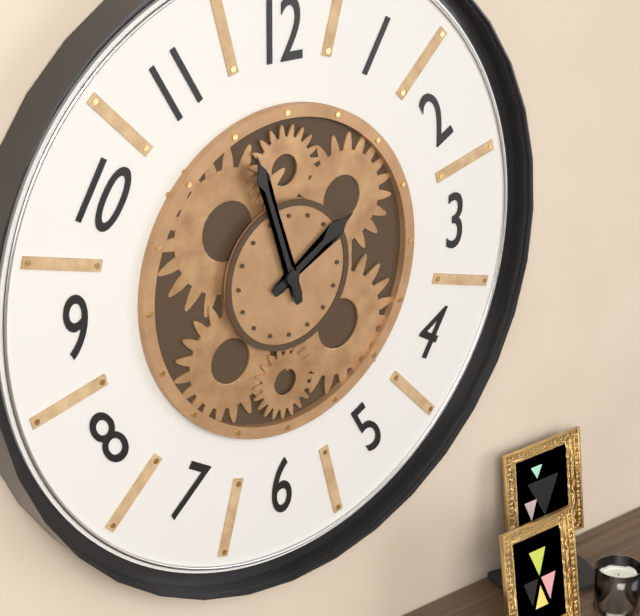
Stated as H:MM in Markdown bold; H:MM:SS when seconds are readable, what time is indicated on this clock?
**1:57**
